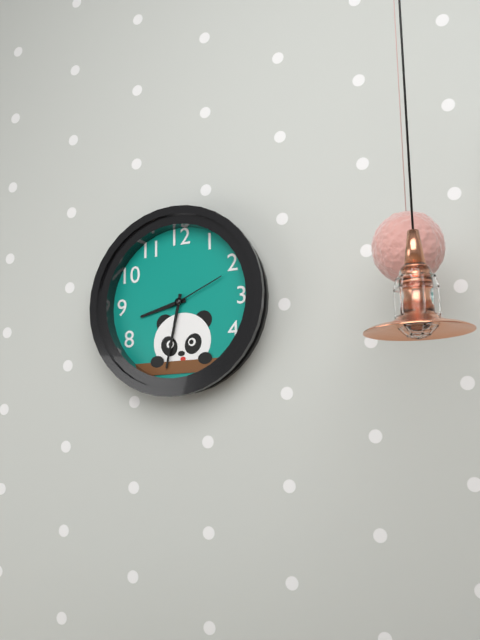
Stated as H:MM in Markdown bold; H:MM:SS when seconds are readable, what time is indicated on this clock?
**8:32:11**
